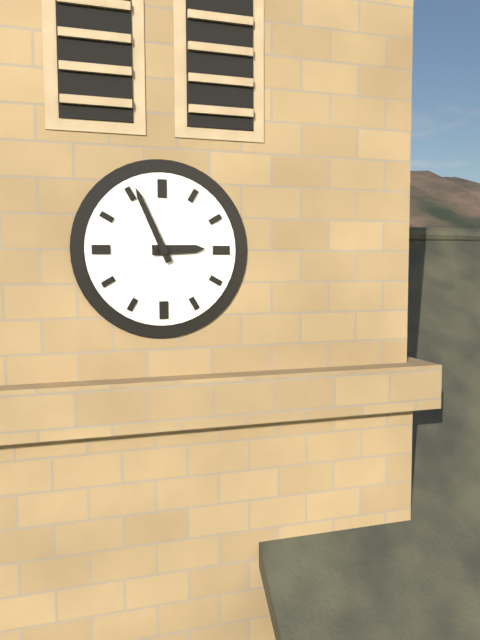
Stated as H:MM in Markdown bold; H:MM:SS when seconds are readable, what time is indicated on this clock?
**2:56**
